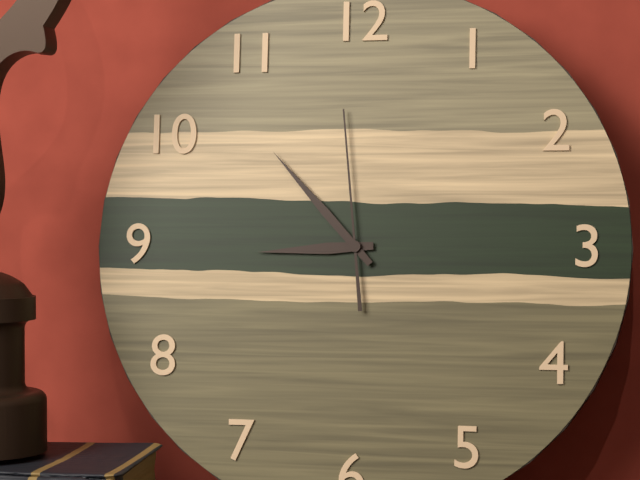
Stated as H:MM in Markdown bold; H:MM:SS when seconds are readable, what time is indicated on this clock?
**8:53:59**
